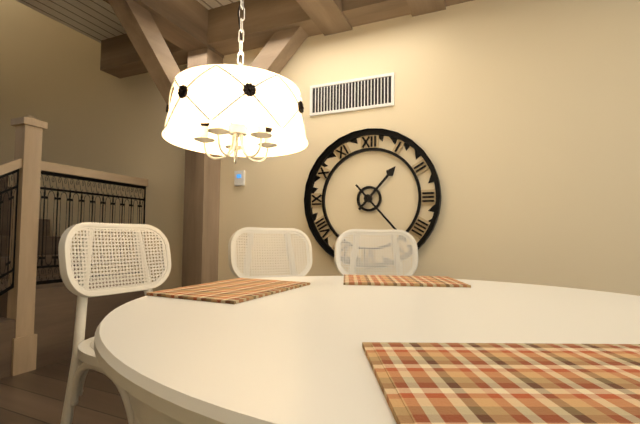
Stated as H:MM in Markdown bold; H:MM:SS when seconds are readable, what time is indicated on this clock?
**1:23**
